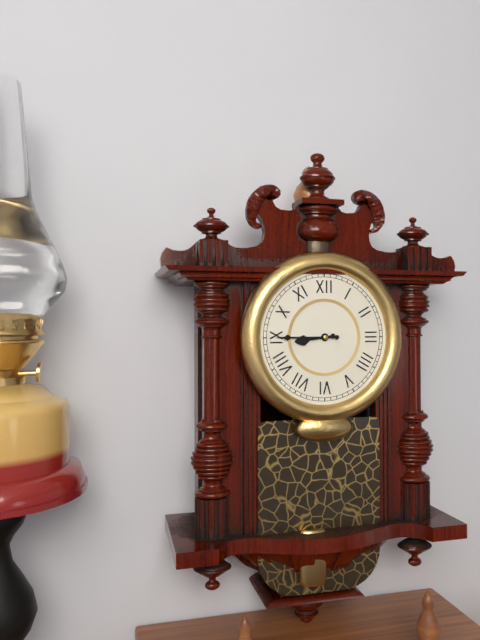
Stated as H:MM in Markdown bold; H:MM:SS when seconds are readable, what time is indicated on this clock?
**8:45**
